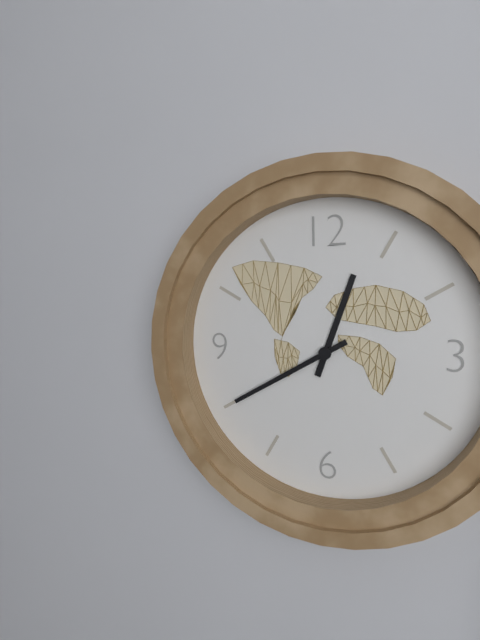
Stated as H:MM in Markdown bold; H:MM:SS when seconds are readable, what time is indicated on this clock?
**12:40**
